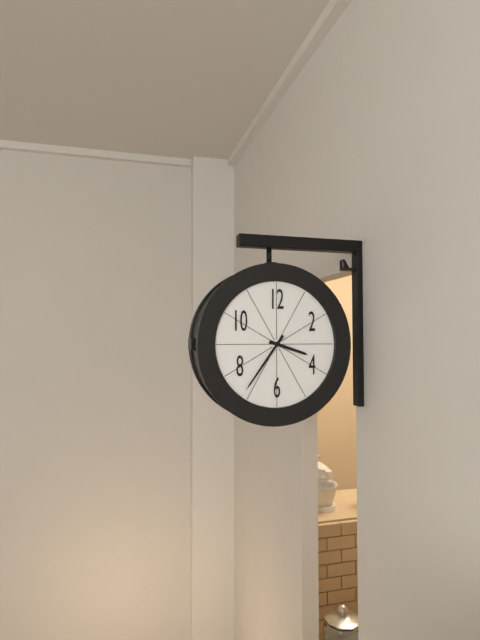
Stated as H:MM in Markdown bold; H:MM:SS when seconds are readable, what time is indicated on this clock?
**3:36**
